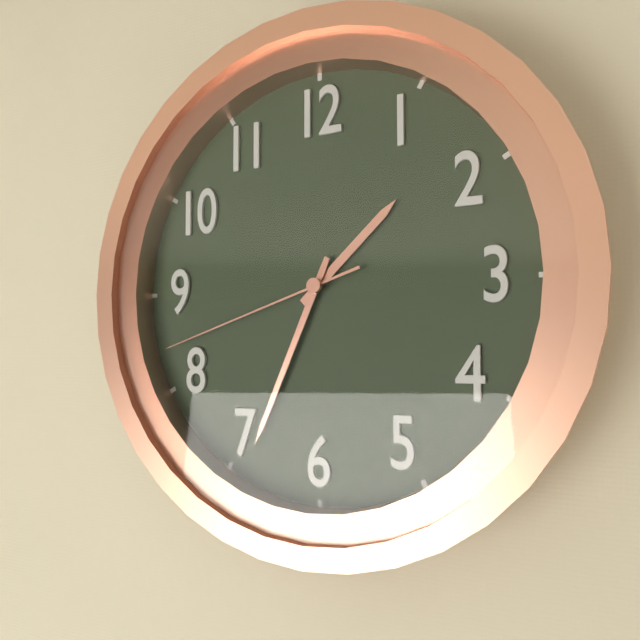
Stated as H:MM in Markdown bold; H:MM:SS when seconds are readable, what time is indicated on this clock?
**1:34:42**
